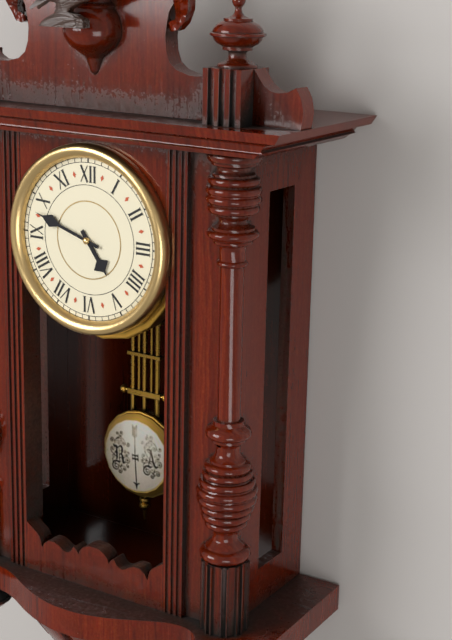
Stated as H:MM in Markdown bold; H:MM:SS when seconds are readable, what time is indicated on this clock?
**4:48**
